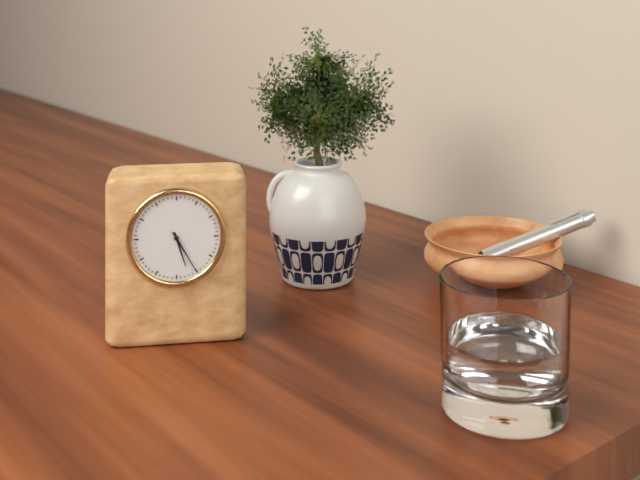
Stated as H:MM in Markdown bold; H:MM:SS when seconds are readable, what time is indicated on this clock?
**5:25**
